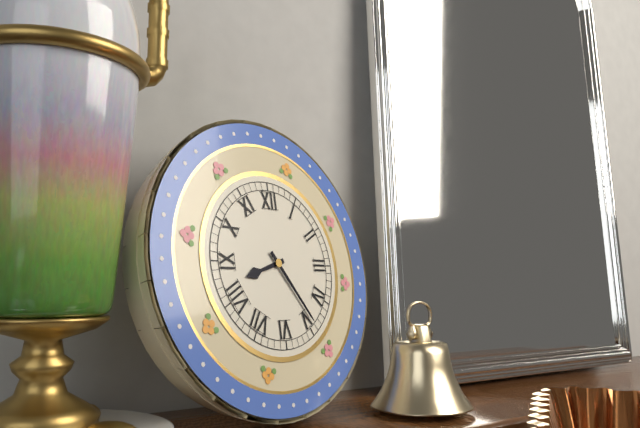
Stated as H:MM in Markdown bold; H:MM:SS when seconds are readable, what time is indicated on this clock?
**8:24**
